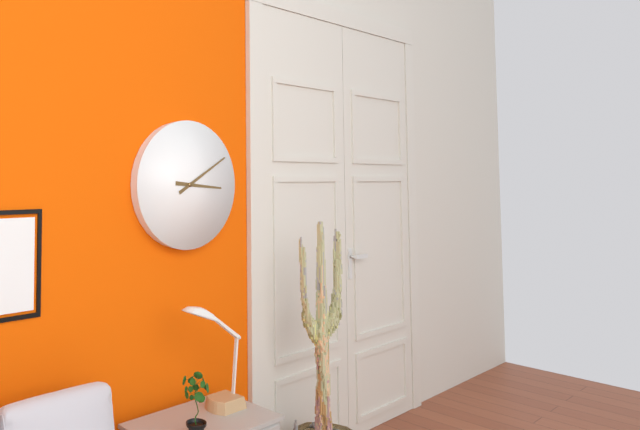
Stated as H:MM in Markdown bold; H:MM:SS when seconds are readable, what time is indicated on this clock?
**3:10**
